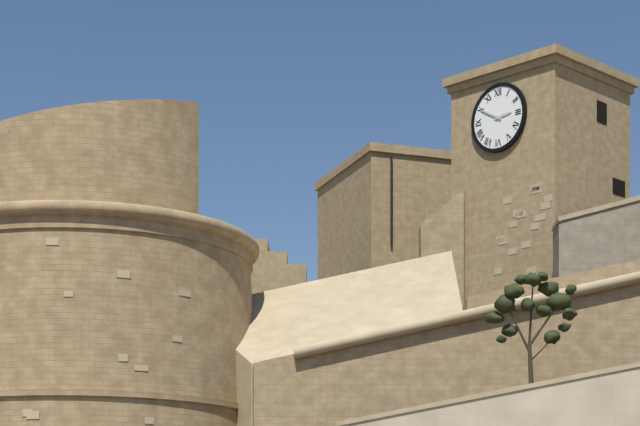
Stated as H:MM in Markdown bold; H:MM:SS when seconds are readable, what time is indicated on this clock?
**2:50**
